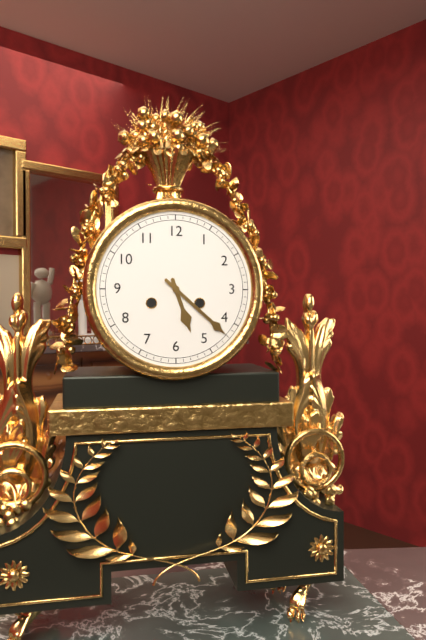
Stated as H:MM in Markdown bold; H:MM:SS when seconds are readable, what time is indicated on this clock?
**5:22**
